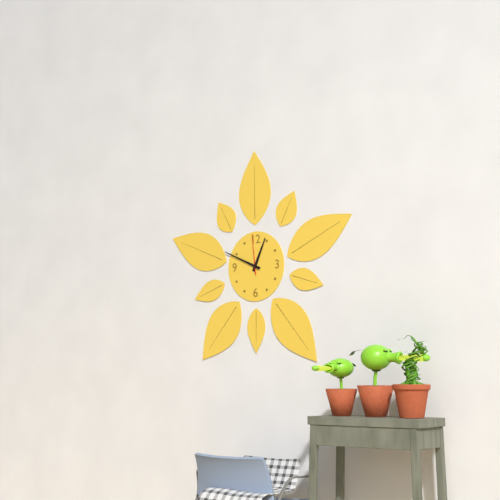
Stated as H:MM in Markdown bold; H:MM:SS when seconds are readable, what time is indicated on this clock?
**12:49**
